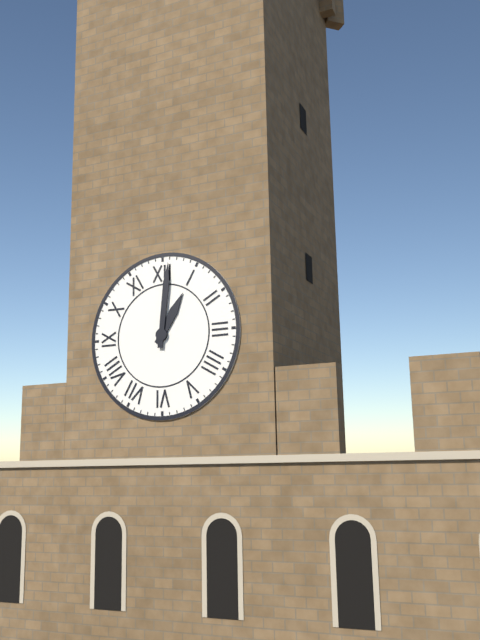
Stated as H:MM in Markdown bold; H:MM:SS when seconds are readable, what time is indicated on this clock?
**1:01**
